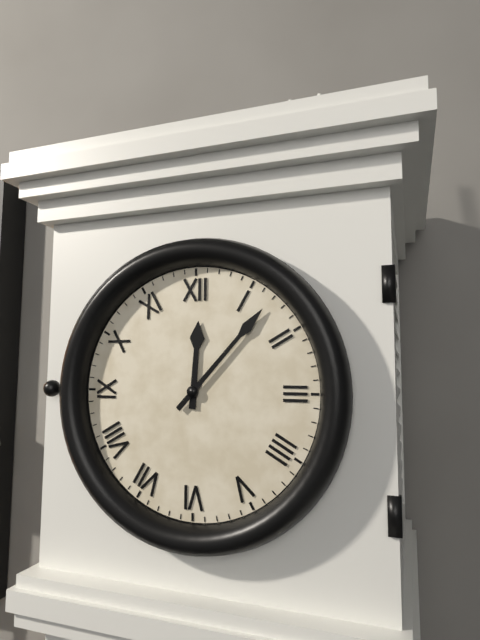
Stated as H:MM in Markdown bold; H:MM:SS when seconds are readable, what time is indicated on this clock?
**12:07**
